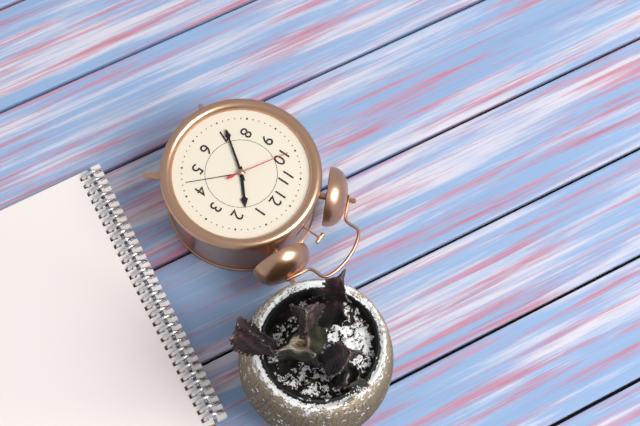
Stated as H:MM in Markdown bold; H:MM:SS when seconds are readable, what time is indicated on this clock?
**1:36:50**
